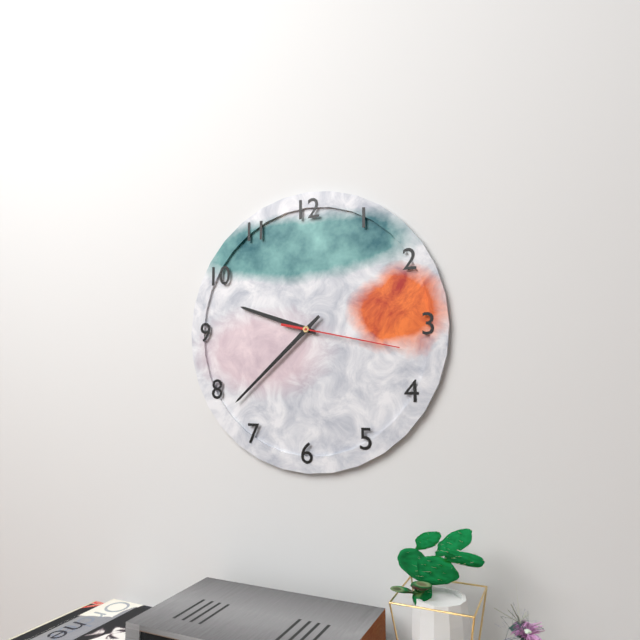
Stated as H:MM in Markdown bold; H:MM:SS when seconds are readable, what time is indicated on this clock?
**9:38:17**
